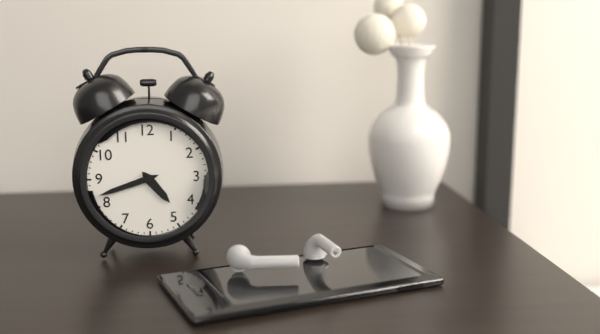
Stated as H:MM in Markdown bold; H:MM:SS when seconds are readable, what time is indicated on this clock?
**4:42**
